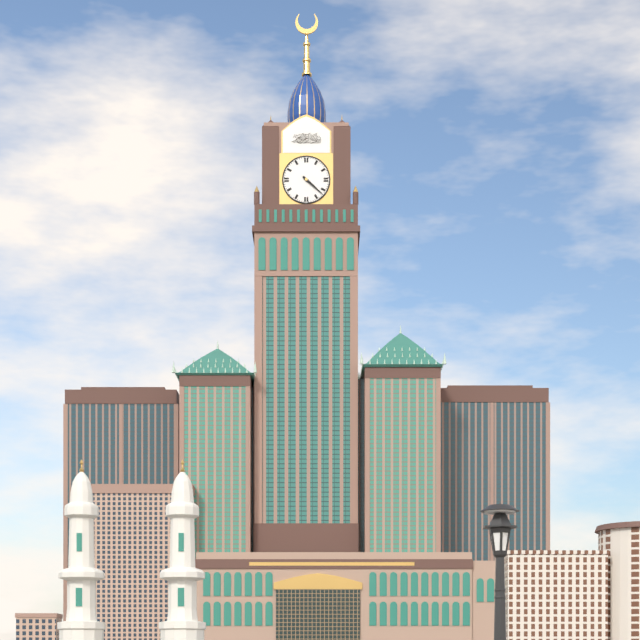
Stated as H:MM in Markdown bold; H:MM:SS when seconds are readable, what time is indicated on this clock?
**4:22**
